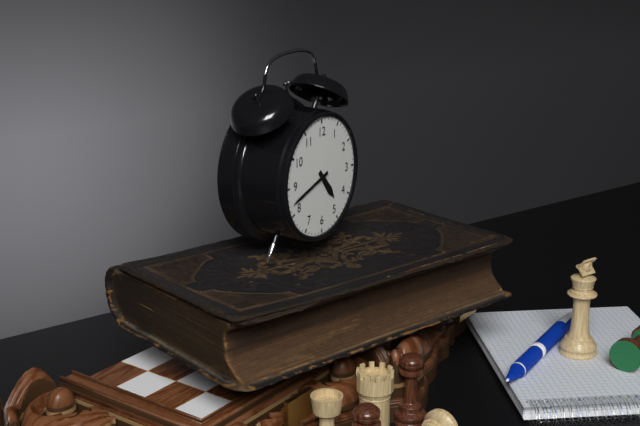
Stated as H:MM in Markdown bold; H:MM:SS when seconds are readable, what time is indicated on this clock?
**4:42**
